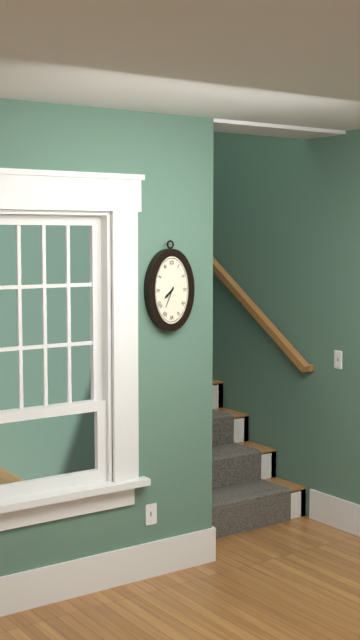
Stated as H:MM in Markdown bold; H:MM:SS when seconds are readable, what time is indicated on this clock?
**7:34**
